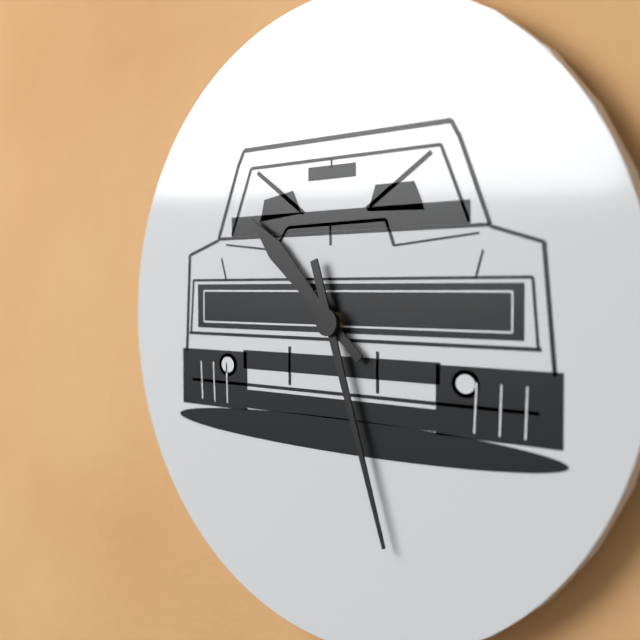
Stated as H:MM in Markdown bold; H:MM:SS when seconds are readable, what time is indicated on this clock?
**10:27**
